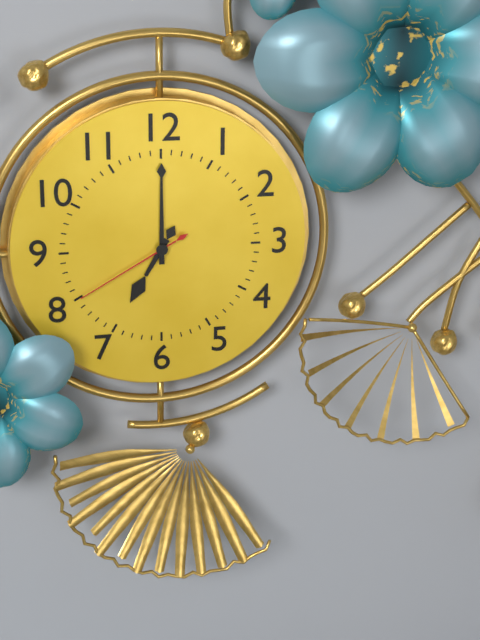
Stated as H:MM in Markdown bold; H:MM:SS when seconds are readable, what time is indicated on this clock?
**7:00:40**
